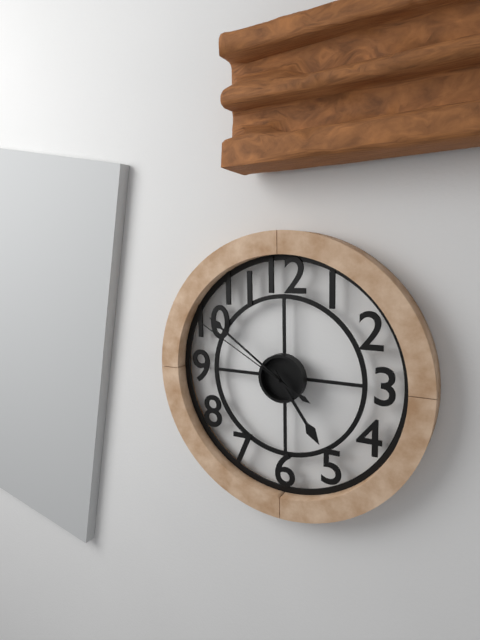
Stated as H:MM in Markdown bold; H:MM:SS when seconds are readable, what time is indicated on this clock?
**4:51:50**
